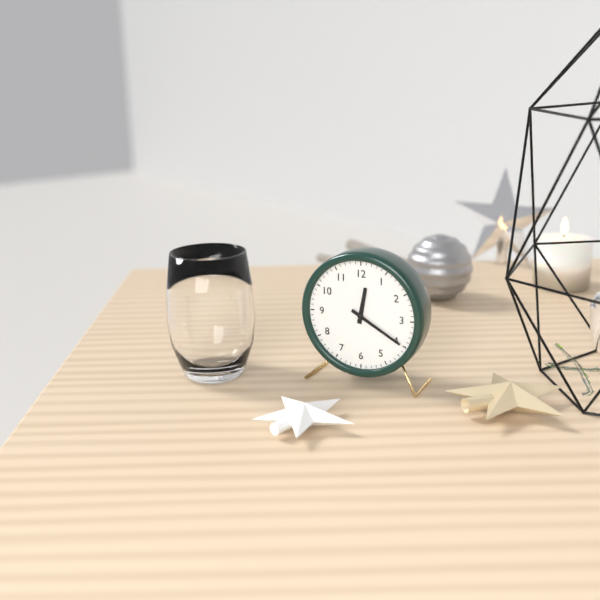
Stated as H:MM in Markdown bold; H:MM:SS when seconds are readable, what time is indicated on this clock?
**12:20**
